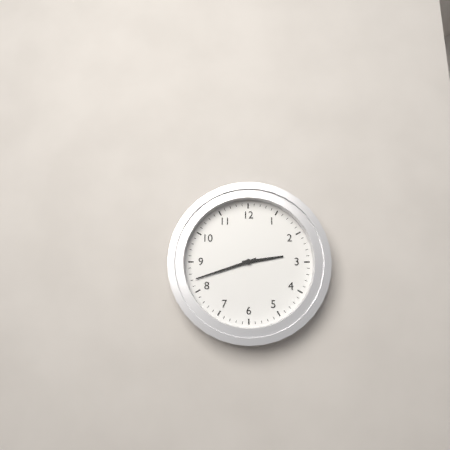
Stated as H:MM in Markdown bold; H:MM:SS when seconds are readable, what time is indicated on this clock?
**2:42**
